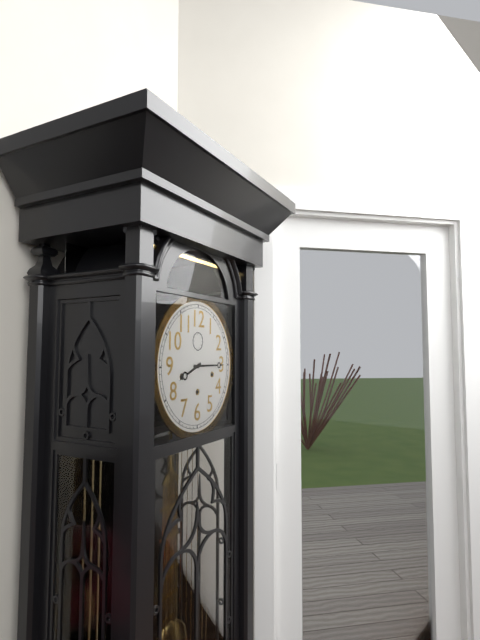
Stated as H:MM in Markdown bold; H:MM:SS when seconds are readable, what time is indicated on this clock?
**8:15**
